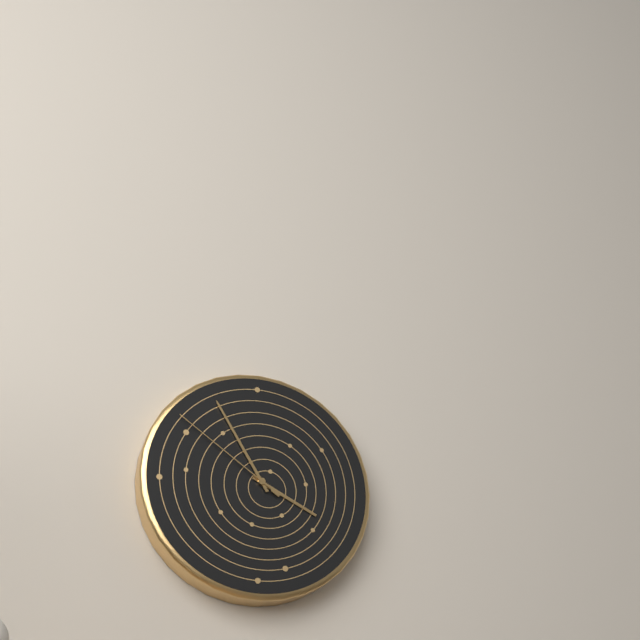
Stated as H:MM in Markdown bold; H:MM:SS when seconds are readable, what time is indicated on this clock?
**3:55:51**
